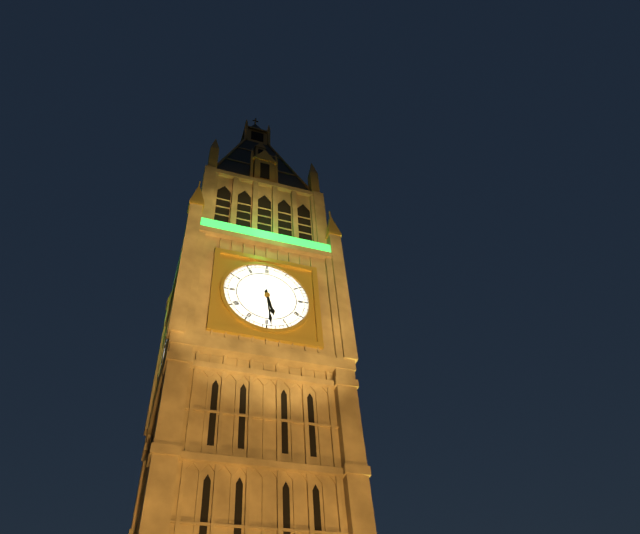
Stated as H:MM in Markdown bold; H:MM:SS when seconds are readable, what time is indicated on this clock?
**5:29**
